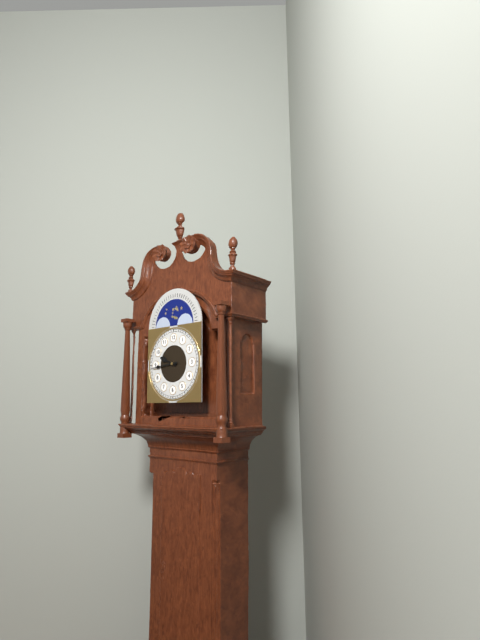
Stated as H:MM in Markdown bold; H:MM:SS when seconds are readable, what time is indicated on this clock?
**9:44**
